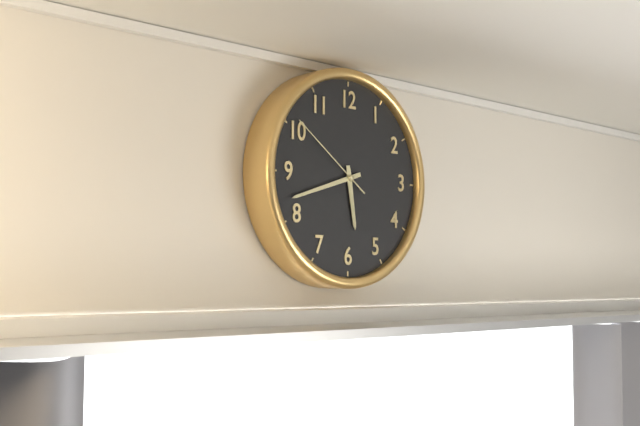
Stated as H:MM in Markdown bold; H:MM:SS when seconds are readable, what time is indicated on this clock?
**5:42:51**
